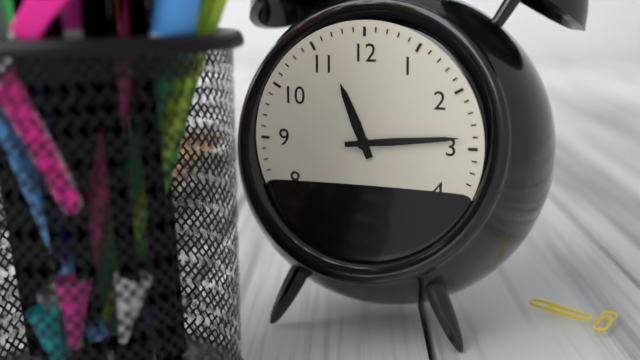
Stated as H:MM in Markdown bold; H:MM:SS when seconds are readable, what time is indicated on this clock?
**11:14**
